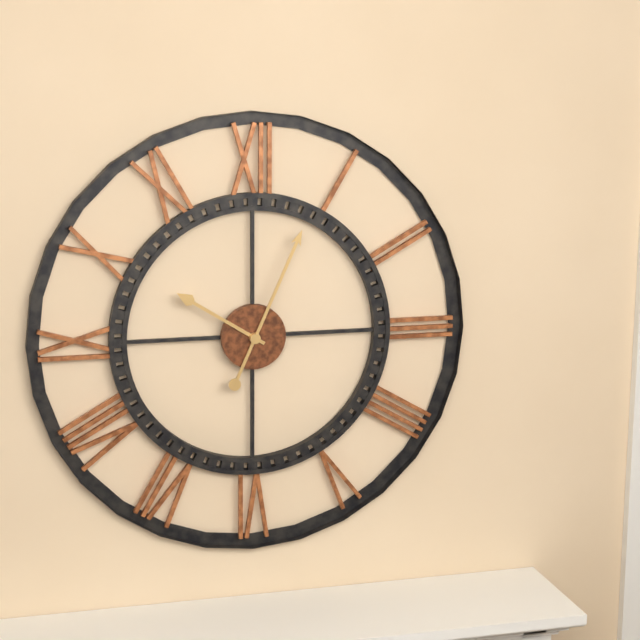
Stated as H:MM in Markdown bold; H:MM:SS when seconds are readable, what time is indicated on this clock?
**10:04**
